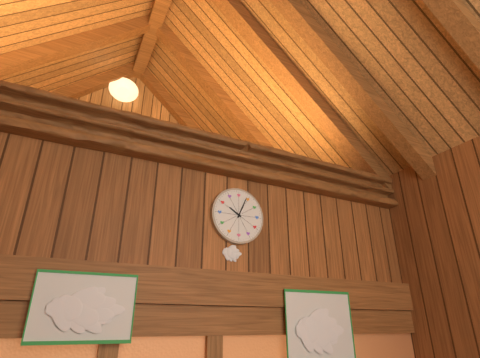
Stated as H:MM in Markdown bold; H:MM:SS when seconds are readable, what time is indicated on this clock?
**10:04**
